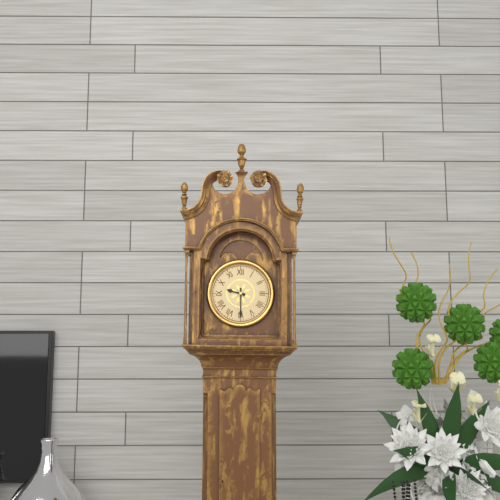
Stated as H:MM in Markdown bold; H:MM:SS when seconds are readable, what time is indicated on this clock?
**9:30**
